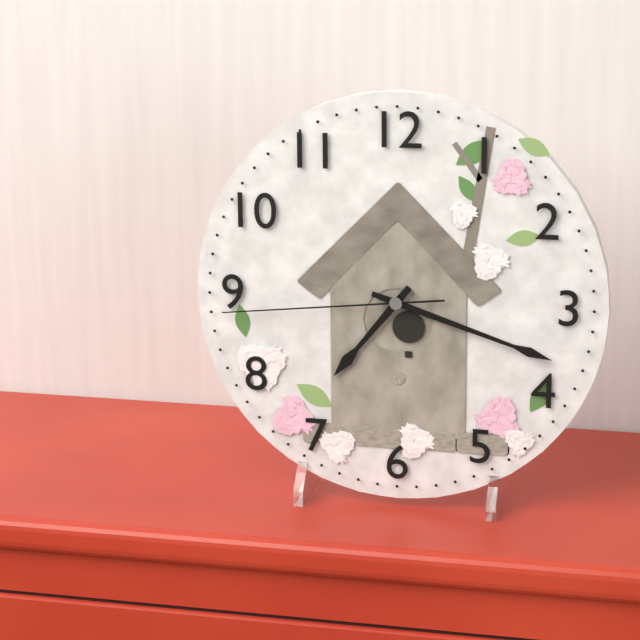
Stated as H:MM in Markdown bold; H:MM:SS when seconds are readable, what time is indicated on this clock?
**7:18:44**
